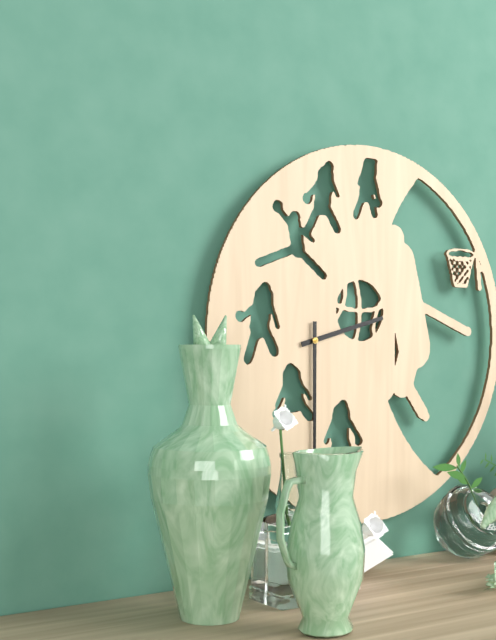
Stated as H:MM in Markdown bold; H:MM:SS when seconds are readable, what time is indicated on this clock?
**2:30**
